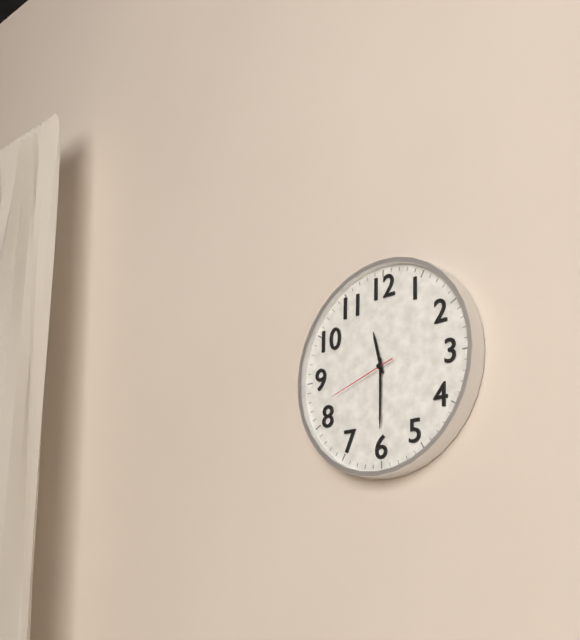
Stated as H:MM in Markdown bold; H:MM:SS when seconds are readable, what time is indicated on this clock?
**11:30:42**
